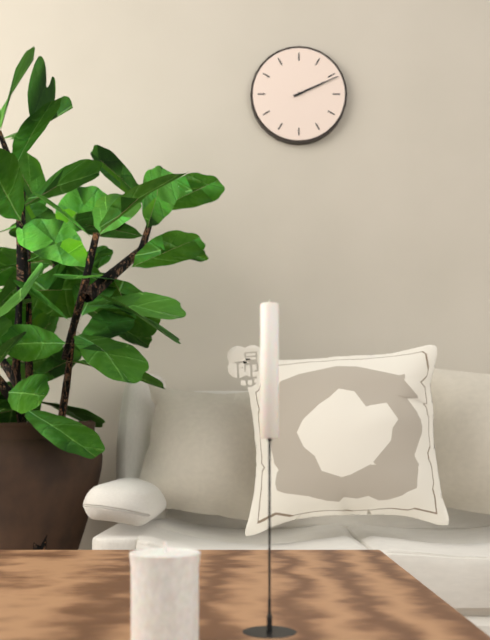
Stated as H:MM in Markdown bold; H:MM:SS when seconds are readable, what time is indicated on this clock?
**2:11**
